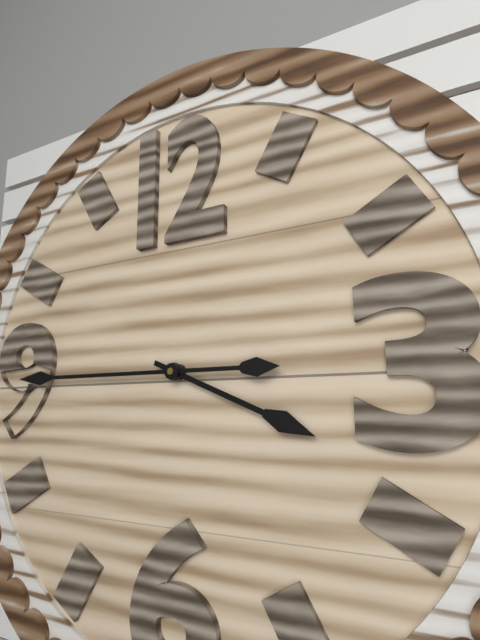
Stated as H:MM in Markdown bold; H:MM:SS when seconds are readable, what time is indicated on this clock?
**3:45**
